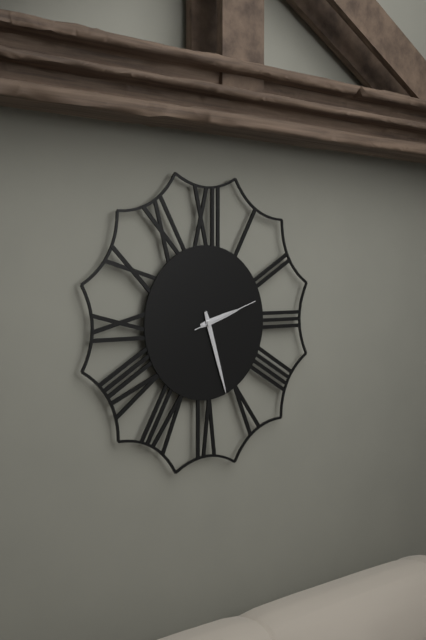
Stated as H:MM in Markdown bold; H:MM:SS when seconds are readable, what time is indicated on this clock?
**2:27:12**
